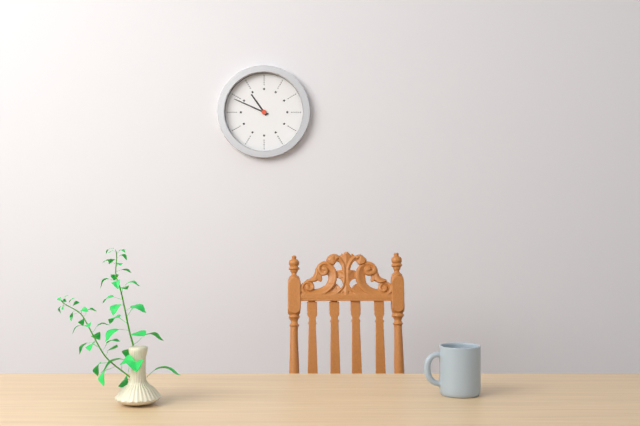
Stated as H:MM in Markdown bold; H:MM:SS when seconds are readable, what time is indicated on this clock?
**10:49**
